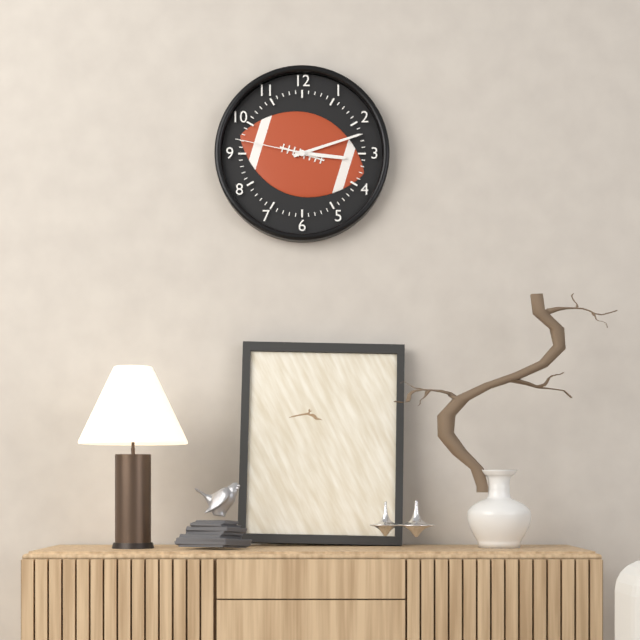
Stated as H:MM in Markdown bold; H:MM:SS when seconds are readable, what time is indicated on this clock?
**3:12:47**
